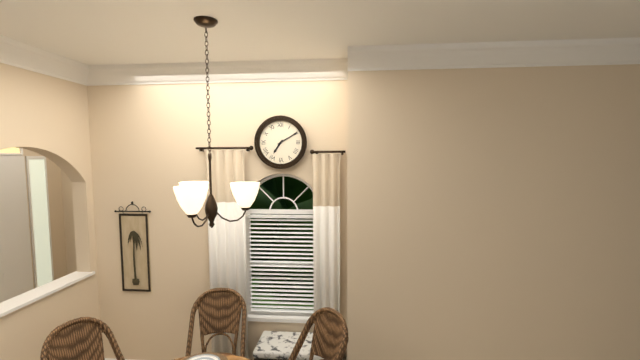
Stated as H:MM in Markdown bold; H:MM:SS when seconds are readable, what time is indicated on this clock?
**7:10**
